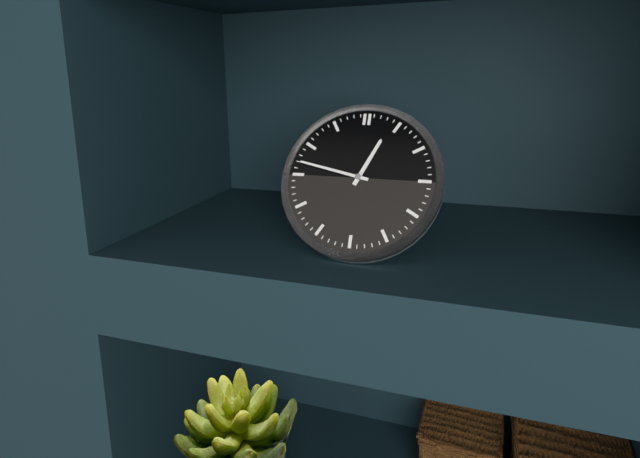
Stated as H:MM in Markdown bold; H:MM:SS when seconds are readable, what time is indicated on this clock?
**12:47**
